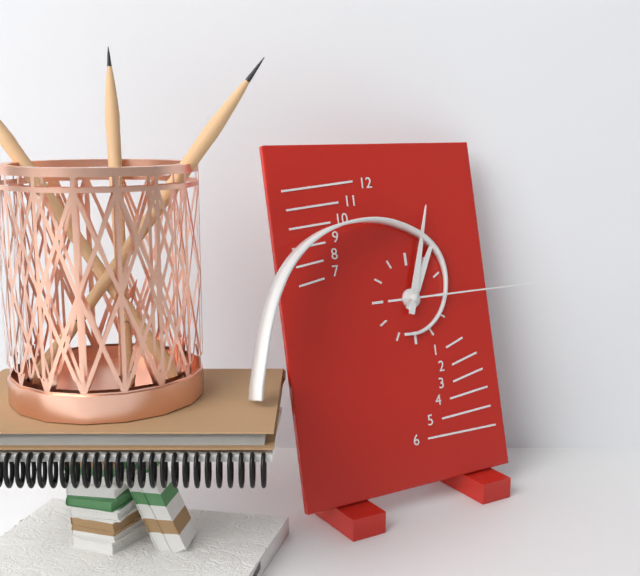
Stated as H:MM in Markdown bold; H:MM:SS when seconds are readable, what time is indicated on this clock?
**1:03:15**
